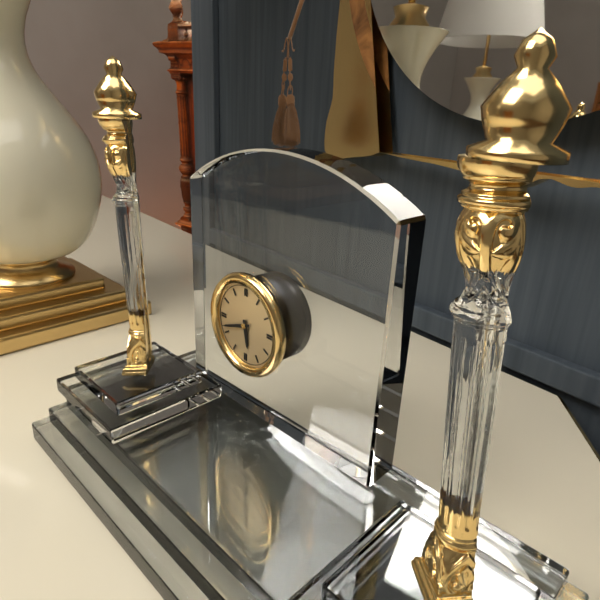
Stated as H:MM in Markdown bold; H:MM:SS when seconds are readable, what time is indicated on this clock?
**5:42**
